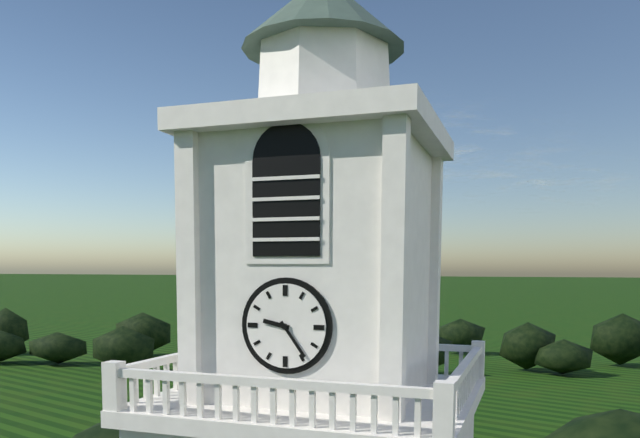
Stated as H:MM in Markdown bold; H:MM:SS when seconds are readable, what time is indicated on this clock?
**9:24**
